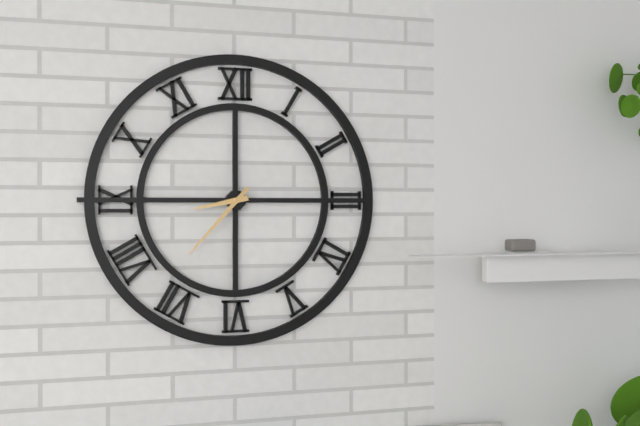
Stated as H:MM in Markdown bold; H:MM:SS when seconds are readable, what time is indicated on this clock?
**8:37**
